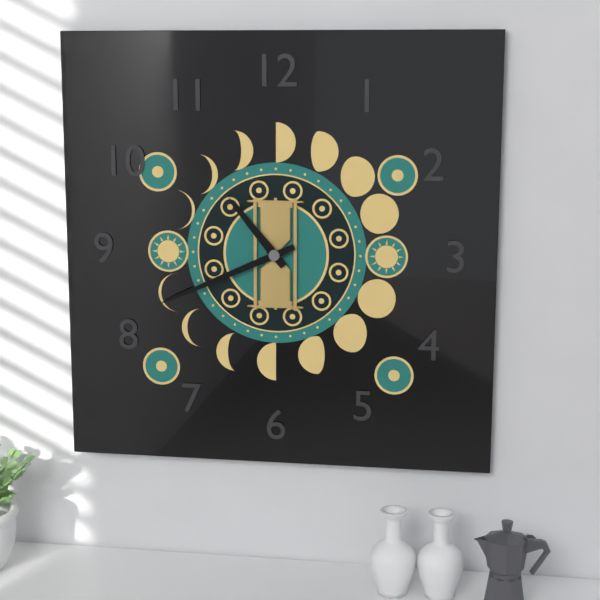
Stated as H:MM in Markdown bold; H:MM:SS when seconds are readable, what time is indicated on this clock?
**10:41**
